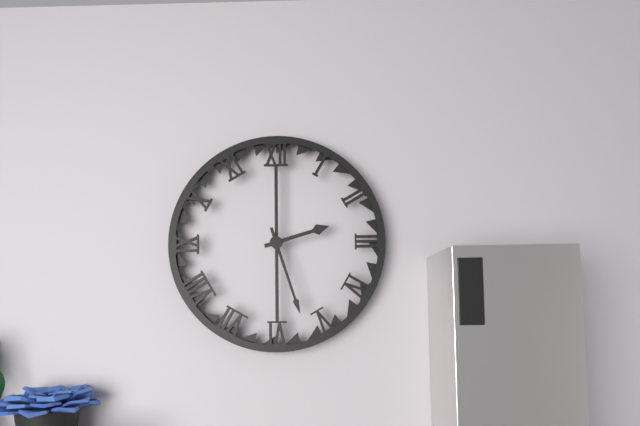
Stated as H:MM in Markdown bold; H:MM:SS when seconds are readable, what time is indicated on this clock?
**2:27**
